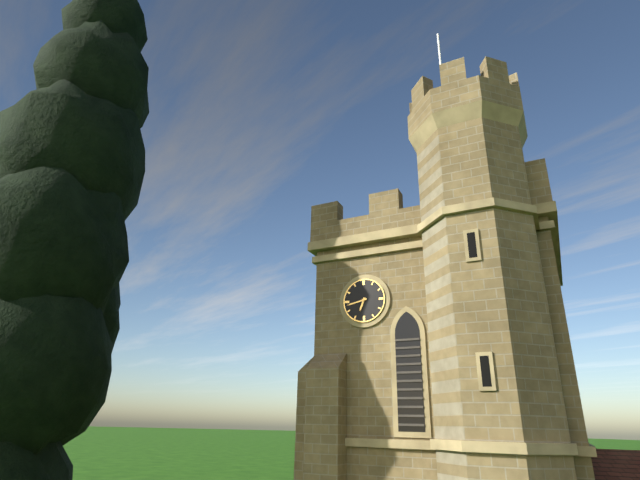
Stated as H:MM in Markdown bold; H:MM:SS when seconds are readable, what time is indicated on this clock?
**6:43**
